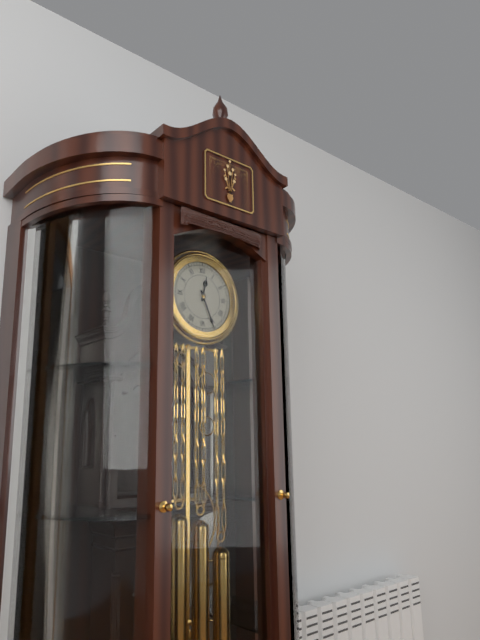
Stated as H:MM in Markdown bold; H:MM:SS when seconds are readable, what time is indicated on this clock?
**12:26**
